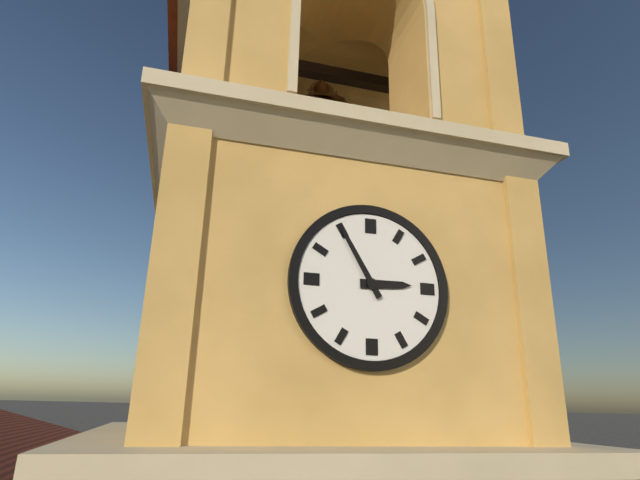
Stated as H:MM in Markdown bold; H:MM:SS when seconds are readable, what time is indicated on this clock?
**2:55**
